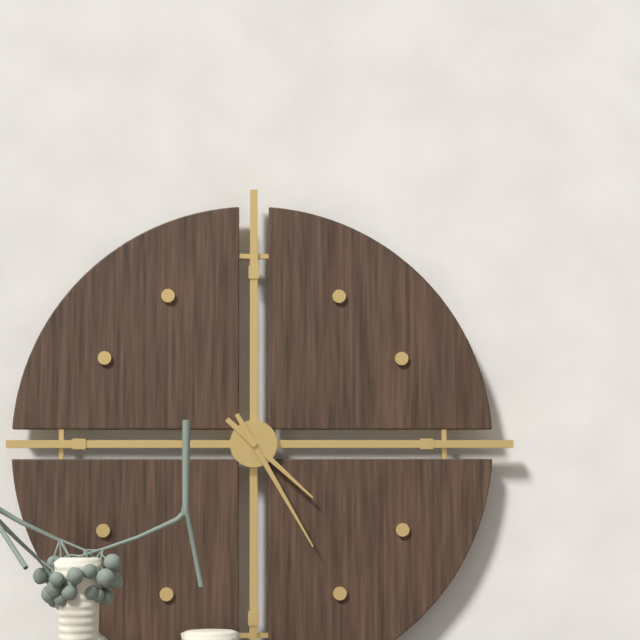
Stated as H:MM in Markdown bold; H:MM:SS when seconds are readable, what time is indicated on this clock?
**4:25**
